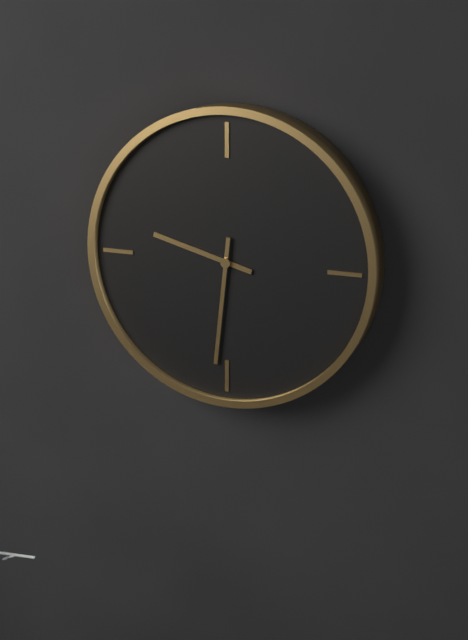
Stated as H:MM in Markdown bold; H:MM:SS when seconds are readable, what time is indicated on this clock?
**9:31**
